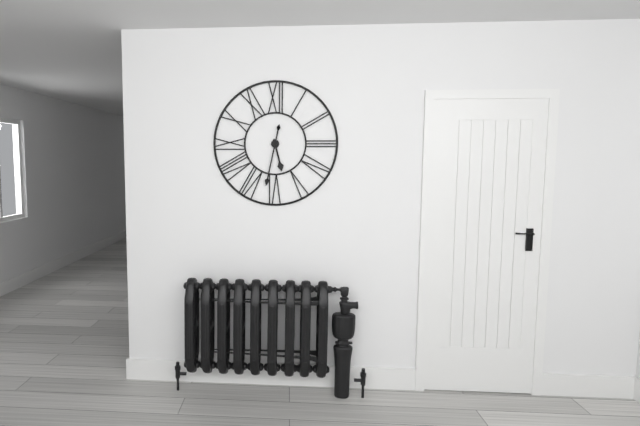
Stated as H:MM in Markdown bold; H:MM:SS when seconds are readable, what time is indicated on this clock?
**5:32**
